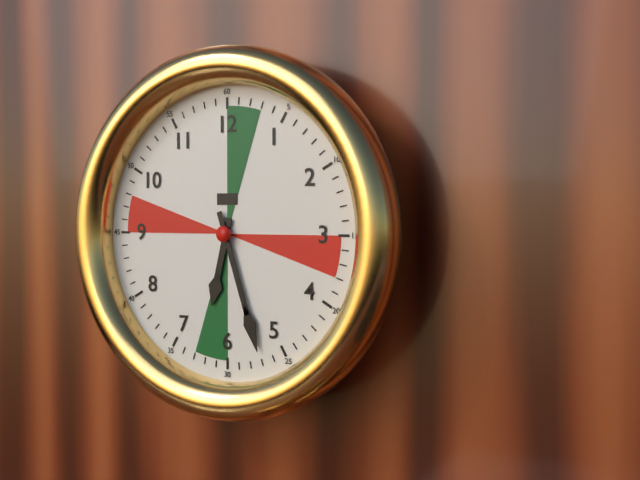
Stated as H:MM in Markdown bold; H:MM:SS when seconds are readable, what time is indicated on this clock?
**6:27**
